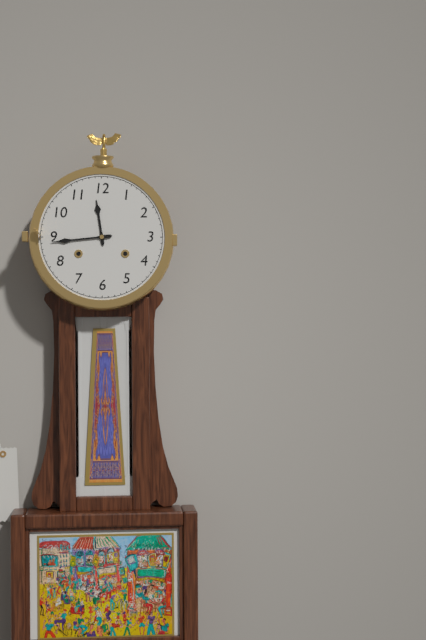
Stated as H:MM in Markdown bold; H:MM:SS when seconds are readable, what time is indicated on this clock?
**11:44**
